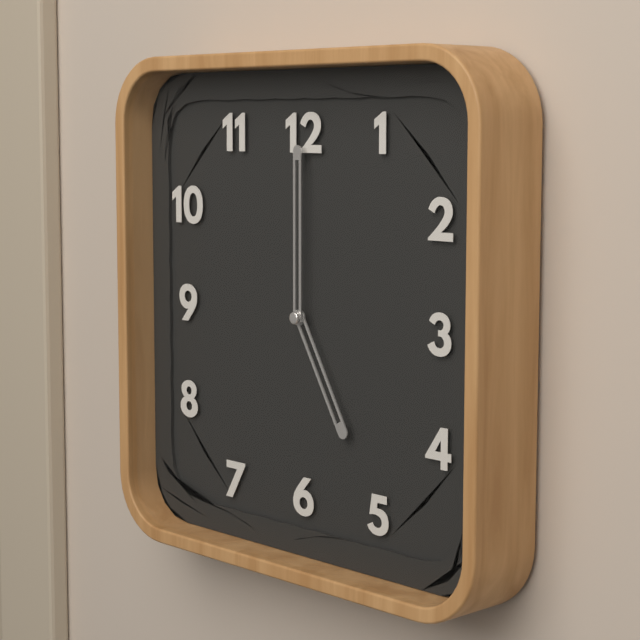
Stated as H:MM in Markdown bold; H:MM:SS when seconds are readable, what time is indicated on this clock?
**5:00**
